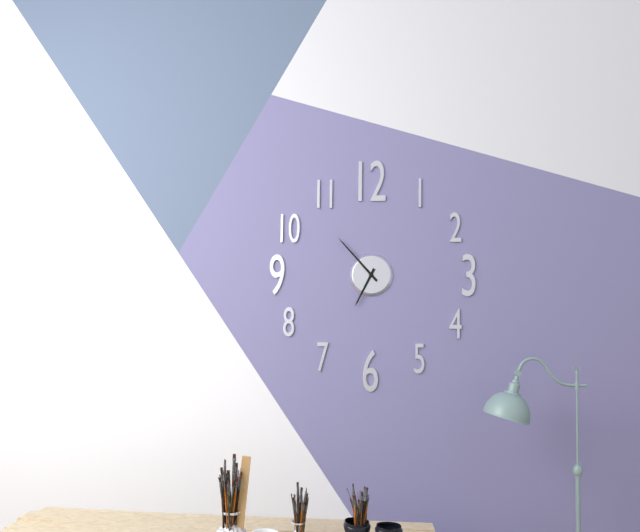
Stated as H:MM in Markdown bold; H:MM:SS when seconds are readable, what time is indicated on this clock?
**6:53**
